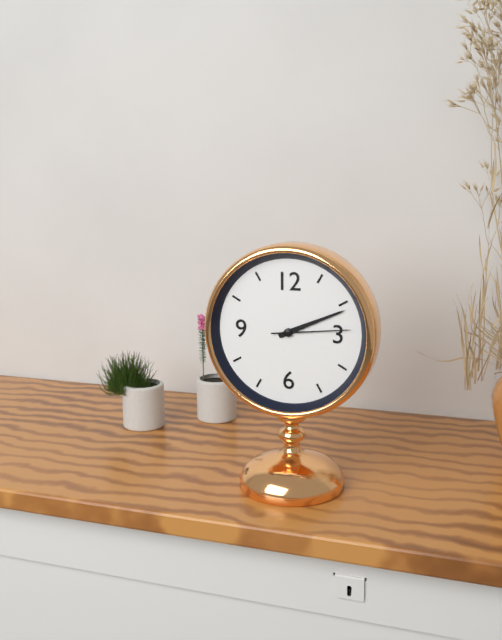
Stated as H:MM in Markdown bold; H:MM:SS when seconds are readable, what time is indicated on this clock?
**2:11:14**
